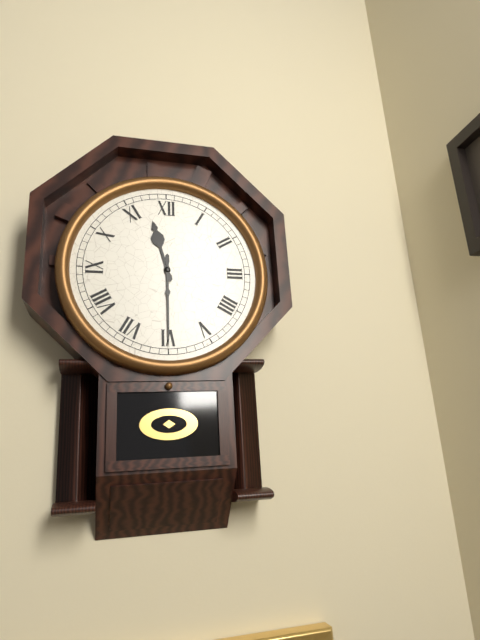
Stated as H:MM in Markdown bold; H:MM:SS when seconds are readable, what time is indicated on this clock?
**11:30**
